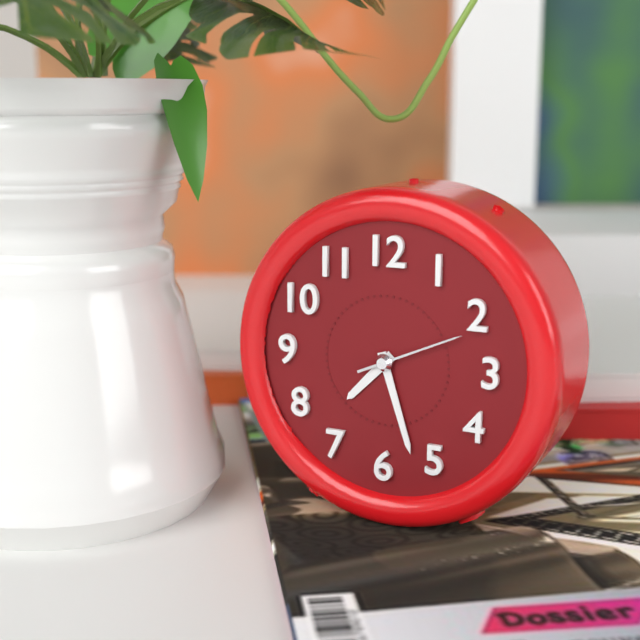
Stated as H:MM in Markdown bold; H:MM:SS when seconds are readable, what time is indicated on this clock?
**7:27:11**
